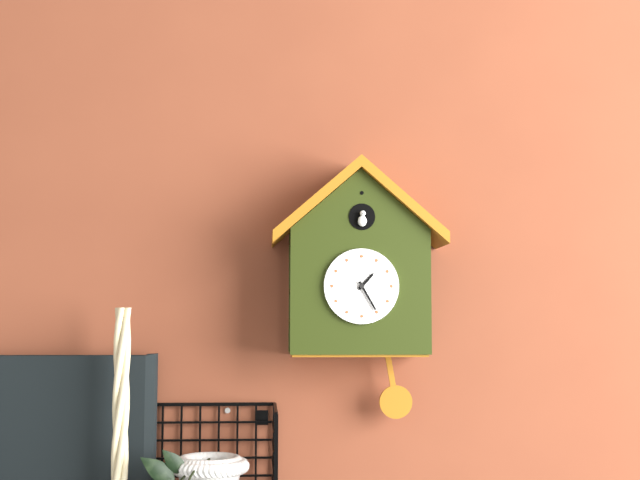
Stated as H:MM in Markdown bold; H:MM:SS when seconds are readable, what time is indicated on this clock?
**1:25**
